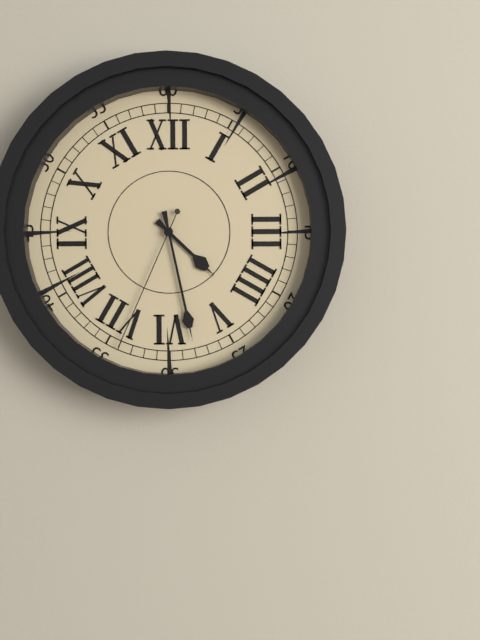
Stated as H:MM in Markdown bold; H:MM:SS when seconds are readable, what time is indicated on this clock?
**4:28:34**
